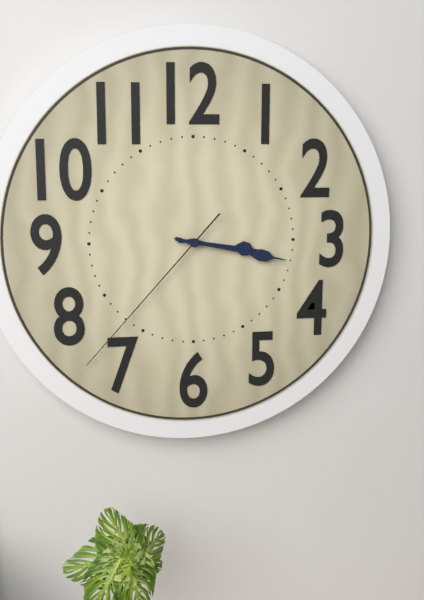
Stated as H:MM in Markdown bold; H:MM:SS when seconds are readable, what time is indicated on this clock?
**3:17:37**
